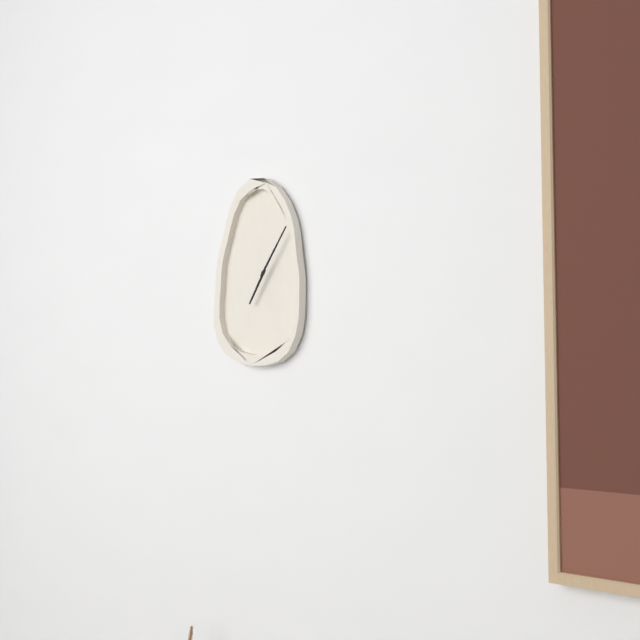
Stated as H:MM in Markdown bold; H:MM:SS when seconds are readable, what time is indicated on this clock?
**7:06**
